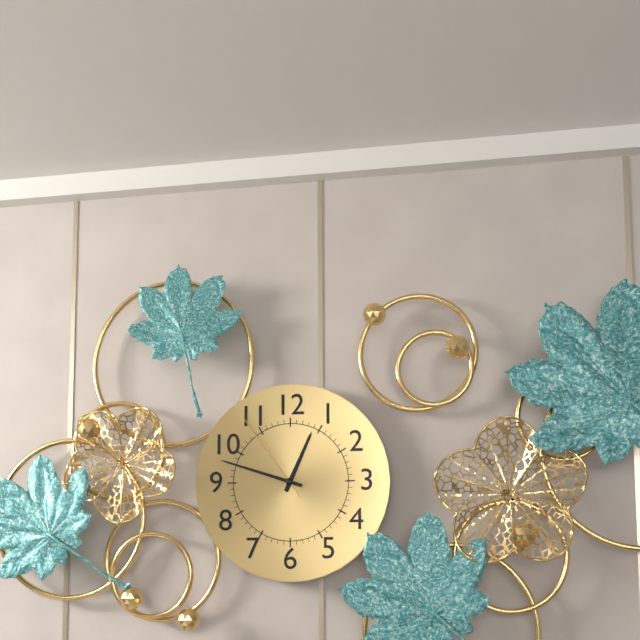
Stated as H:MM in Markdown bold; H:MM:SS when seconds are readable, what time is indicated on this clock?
**12:48:54**
